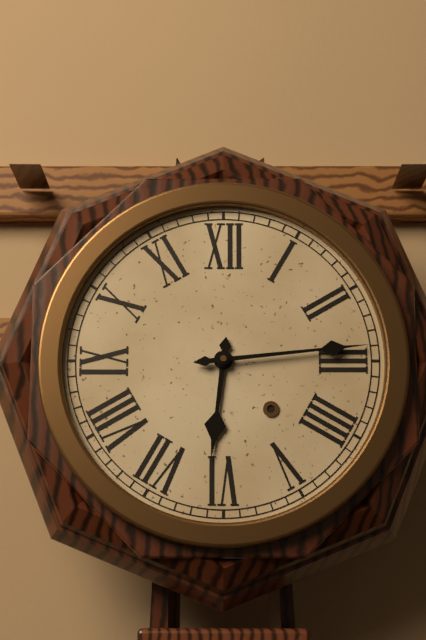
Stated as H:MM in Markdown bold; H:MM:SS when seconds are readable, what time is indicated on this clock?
**6:14**
